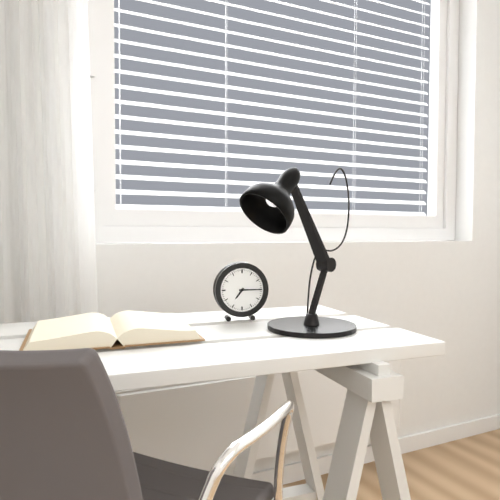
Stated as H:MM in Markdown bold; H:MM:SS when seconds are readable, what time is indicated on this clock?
**7:15**
